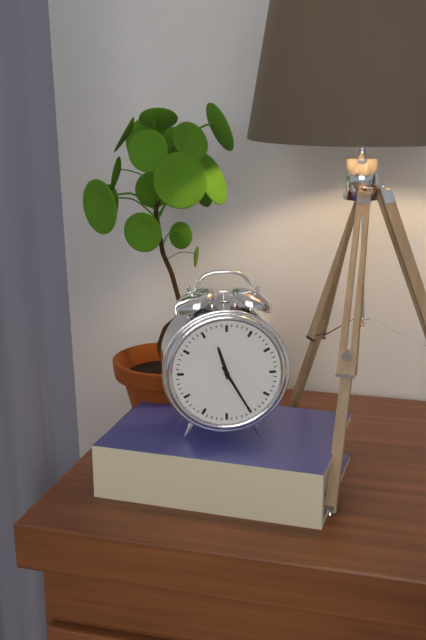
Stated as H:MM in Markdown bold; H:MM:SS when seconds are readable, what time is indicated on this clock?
**11:25**
